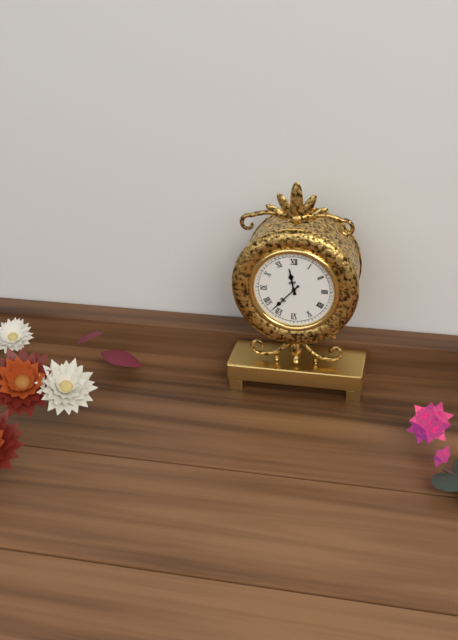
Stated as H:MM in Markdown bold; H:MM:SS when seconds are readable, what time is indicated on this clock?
**11:37**
